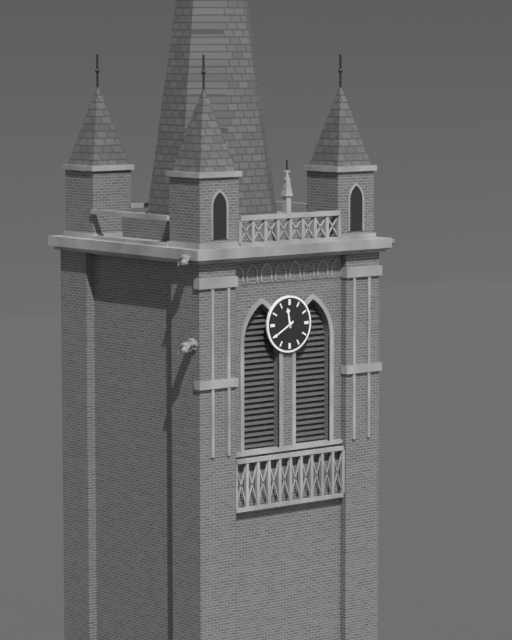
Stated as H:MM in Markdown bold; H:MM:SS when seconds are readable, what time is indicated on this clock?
**11:40**
